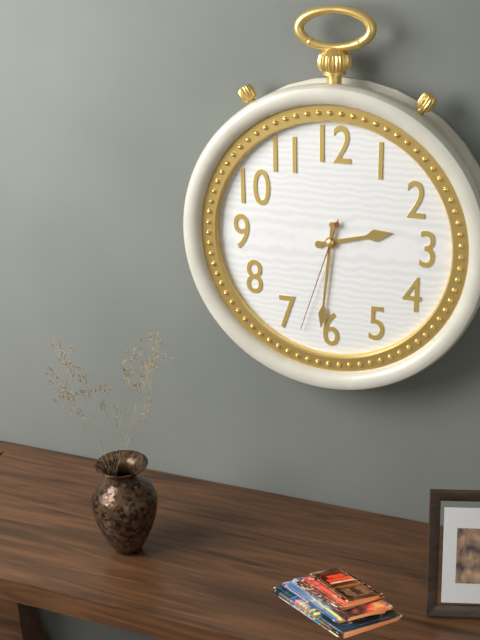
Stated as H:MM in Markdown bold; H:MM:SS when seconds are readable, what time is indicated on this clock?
**2:31:33**
